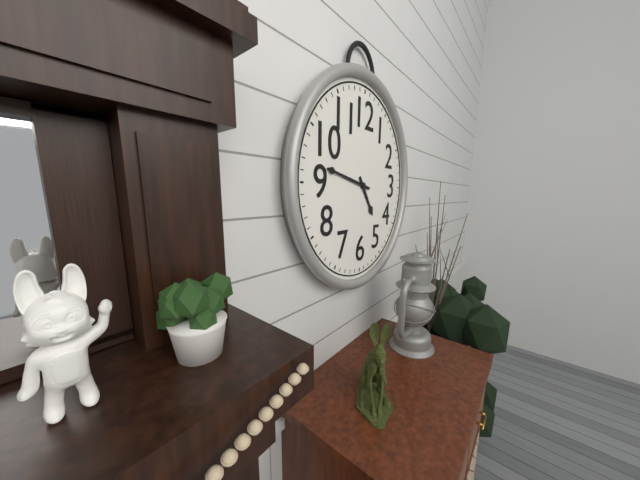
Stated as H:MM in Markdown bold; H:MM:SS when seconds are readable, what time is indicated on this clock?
**4:47**
